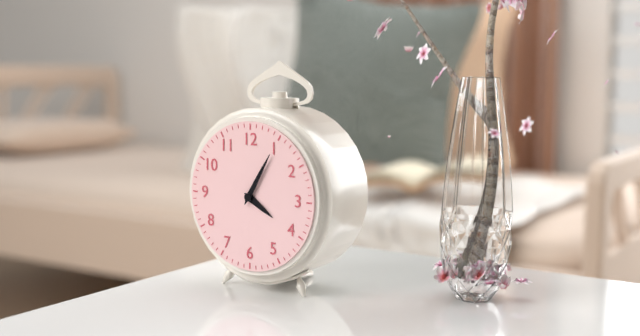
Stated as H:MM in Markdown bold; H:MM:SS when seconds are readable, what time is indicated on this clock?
**4:05**
